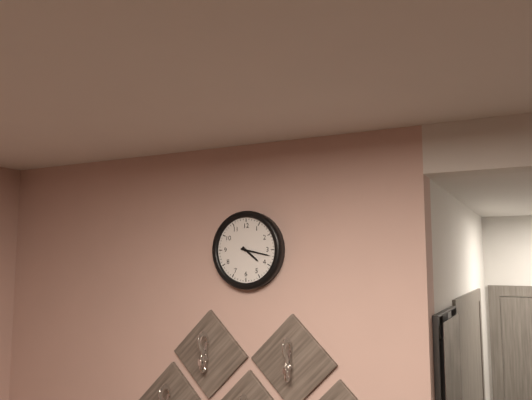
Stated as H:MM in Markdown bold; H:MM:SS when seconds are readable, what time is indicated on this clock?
**4:17**
